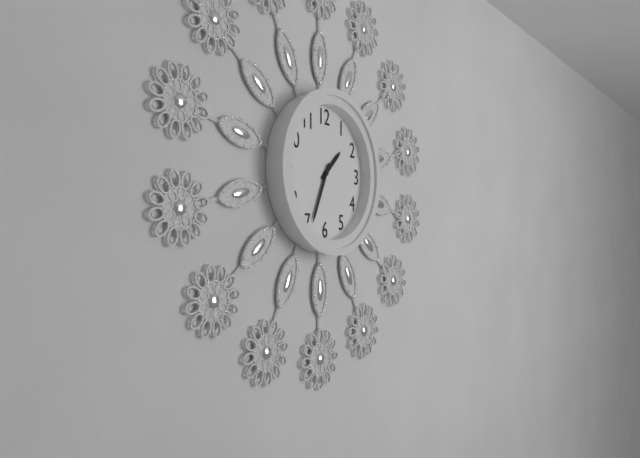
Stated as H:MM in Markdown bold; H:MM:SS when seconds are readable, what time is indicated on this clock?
**1:34**
